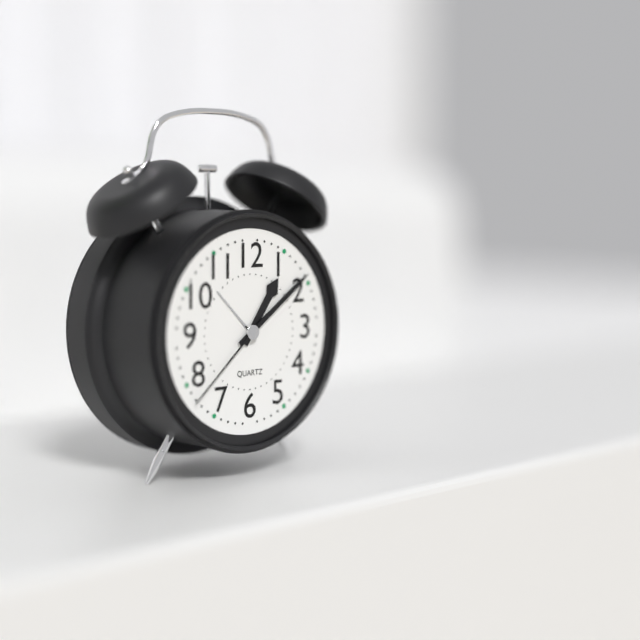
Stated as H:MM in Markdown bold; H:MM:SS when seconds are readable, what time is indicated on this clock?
**1:09:38**
